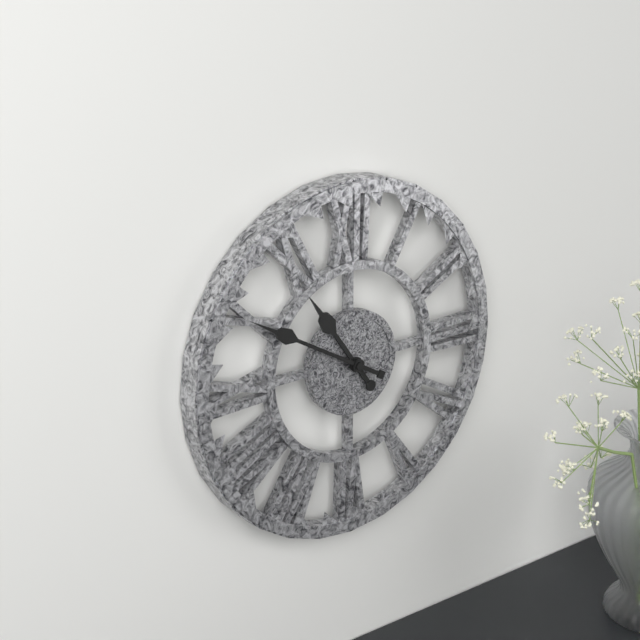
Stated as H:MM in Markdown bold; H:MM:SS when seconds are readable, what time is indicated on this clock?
**10:50**
